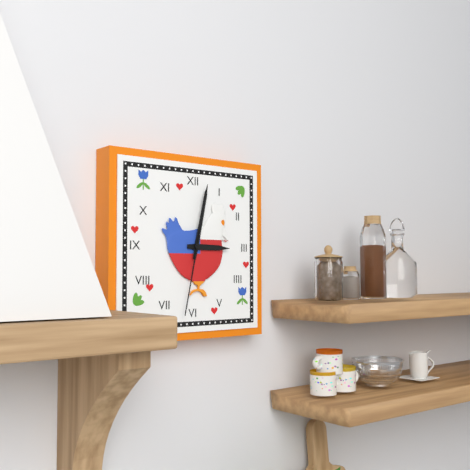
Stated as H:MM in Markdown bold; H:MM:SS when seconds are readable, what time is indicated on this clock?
**3:02:32**
